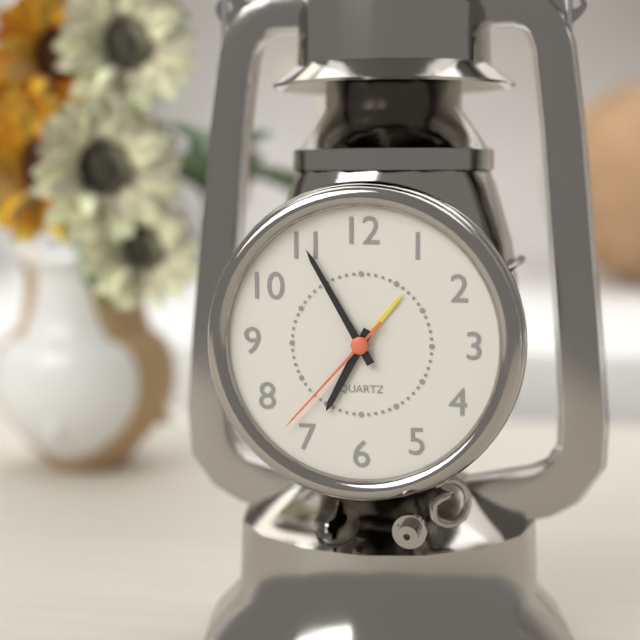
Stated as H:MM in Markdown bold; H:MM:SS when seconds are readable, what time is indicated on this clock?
**6:55:37**
